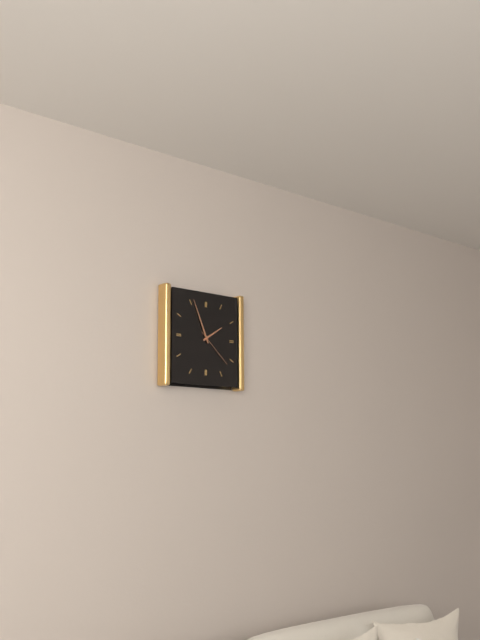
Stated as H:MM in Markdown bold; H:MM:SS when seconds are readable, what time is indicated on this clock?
**1:56**
